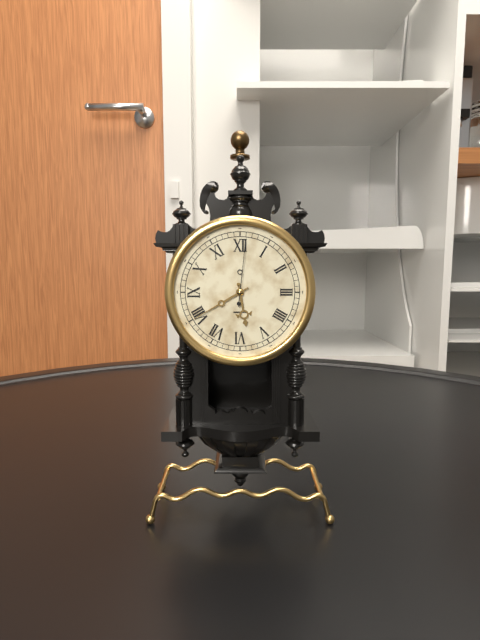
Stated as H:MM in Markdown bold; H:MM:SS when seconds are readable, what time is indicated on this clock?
**5:40:01**
